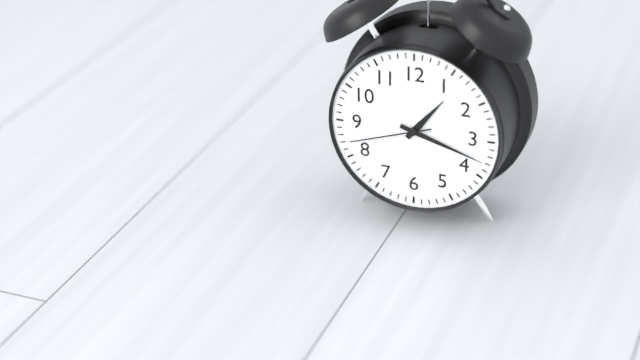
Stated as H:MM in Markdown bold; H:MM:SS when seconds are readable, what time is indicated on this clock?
**1:18:42**
